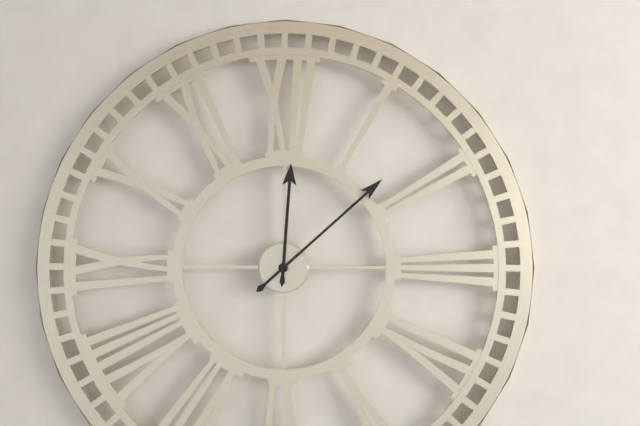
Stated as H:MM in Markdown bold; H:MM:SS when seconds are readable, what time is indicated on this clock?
**12:08**
